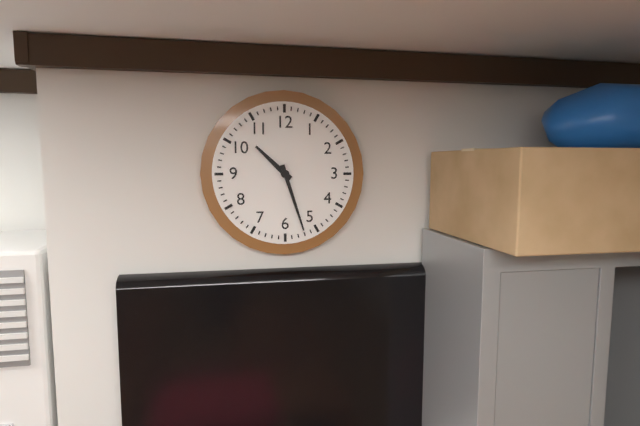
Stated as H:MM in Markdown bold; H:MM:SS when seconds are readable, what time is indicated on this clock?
**10:27**
